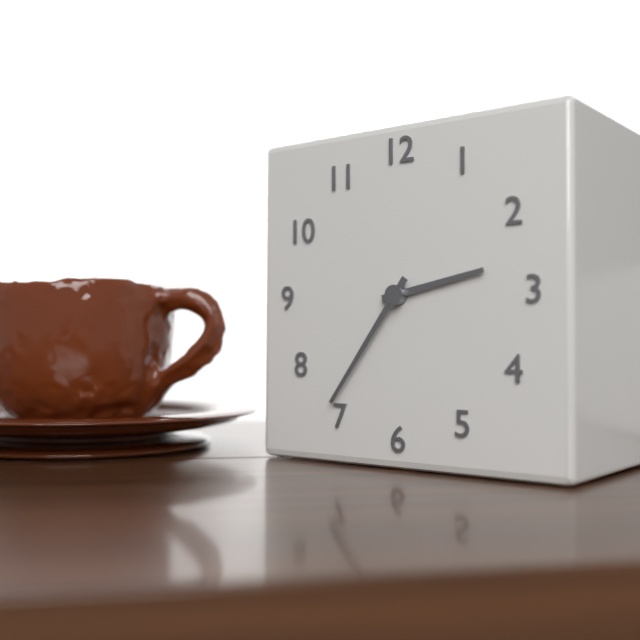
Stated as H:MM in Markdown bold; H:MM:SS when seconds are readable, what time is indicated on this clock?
**2:36**
